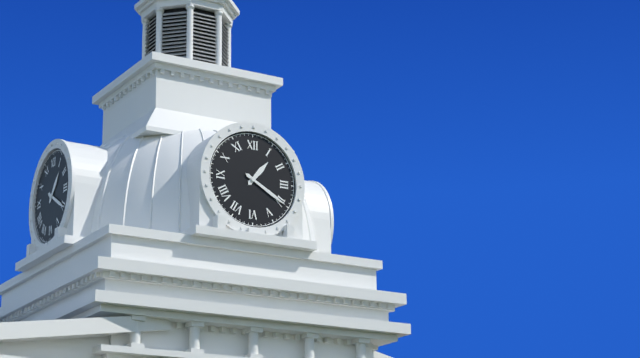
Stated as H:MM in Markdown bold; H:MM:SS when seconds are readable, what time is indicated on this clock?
**1:20**
